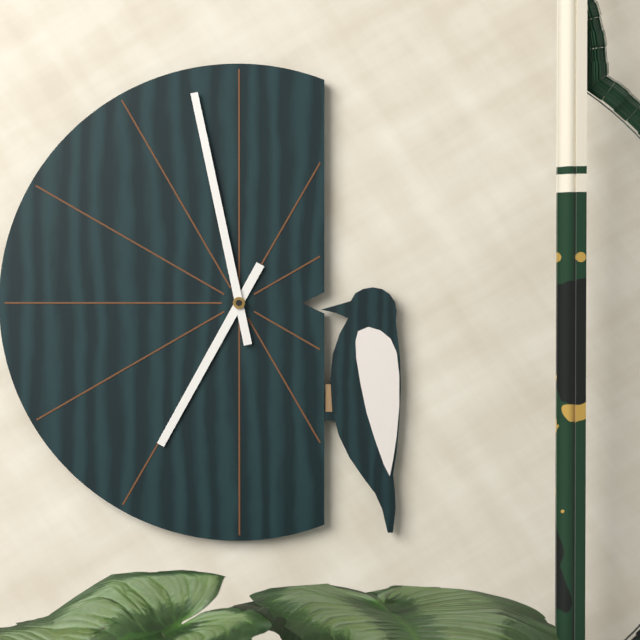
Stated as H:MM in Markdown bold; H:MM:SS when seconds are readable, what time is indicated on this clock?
**6:58**
